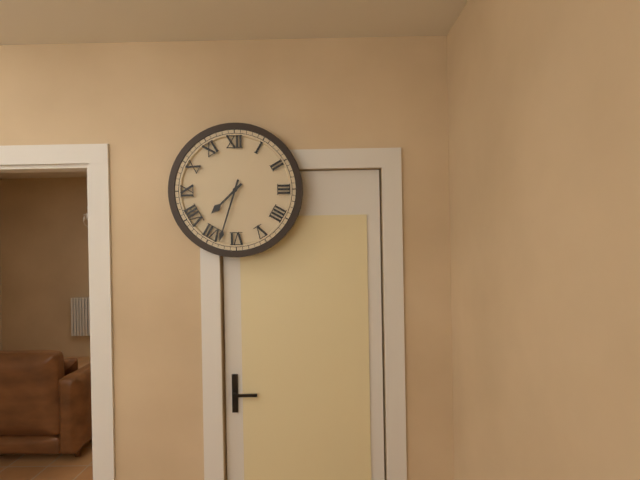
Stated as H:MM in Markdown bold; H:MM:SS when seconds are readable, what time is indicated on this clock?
**7:33**
